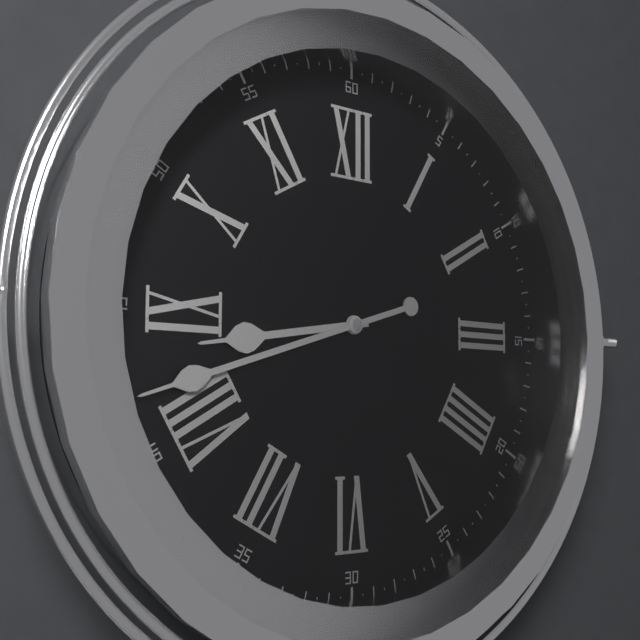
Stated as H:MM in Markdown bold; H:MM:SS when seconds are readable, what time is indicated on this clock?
**8:42**
